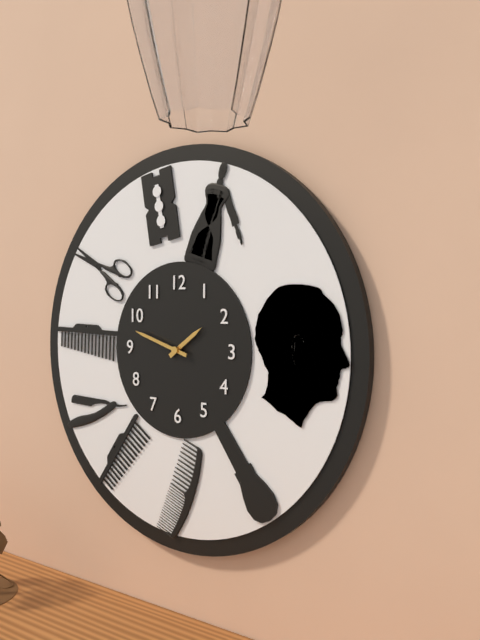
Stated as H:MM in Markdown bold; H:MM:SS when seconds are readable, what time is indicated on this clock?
**1:48**
